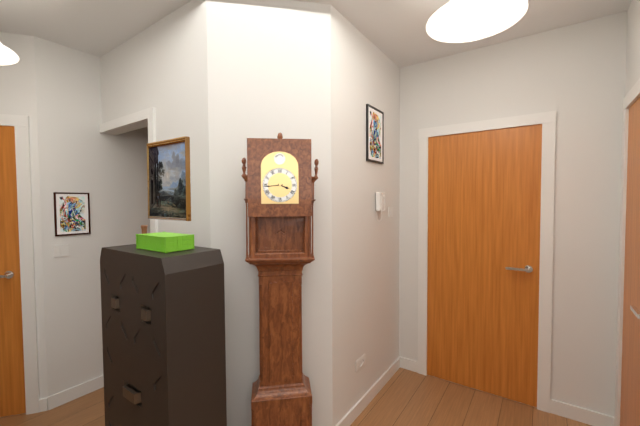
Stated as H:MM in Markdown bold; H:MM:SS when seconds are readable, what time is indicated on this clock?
**3:44**
